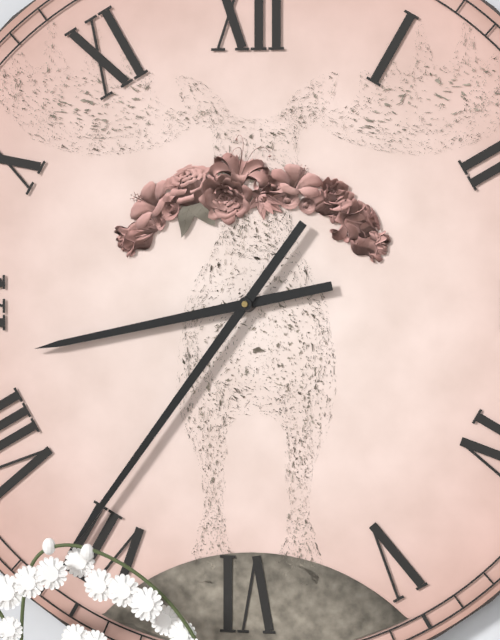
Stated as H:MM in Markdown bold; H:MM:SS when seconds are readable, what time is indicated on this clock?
**8:36**
